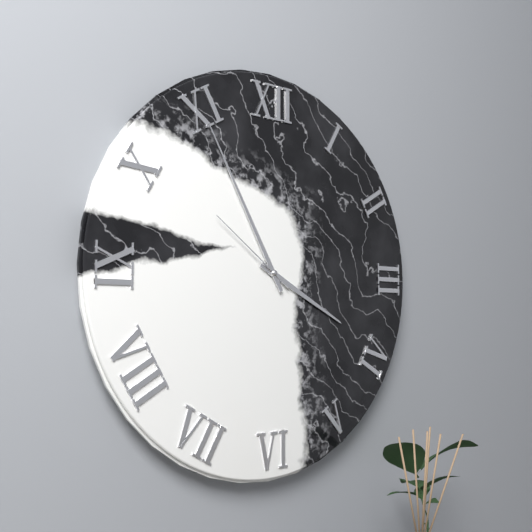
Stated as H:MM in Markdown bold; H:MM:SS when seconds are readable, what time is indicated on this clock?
**3:55:51**
